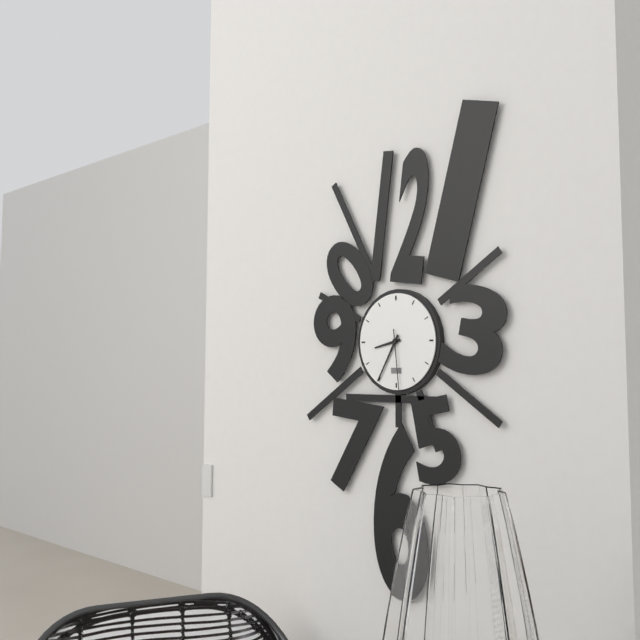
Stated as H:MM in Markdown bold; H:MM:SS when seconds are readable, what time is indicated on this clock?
**8:35:29**
